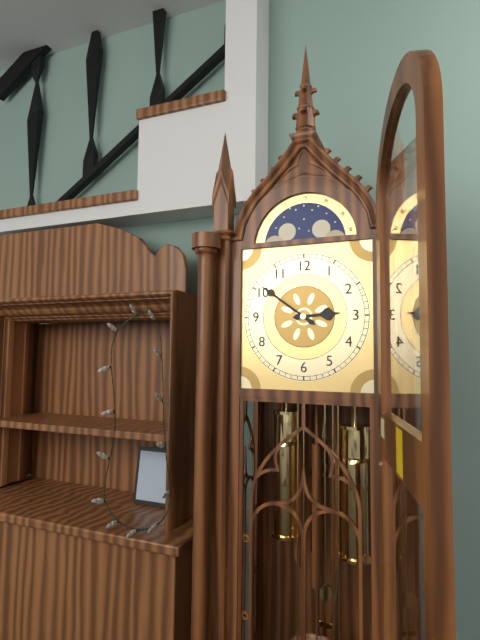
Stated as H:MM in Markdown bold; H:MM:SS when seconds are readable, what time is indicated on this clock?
**2:51**
